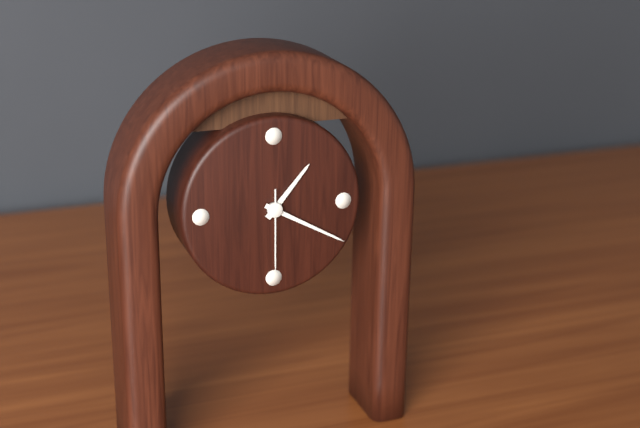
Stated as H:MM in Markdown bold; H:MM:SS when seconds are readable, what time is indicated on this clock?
**1:20:30**
